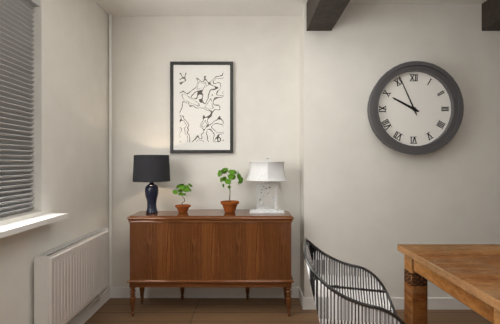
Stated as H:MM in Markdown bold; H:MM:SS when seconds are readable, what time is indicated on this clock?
**9:56**
